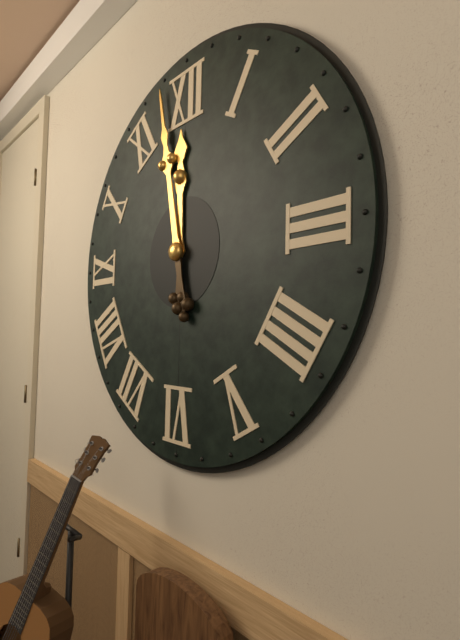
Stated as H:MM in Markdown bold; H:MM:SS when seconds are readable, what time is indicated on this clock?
**11:58**
